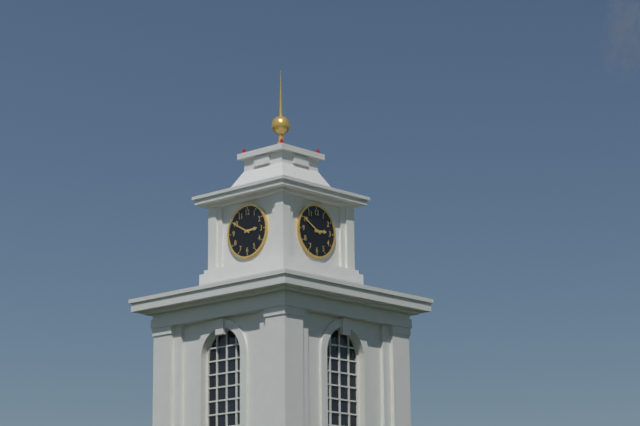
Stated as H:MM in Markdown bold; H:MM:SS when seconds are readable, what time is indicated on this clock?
**2:50**
